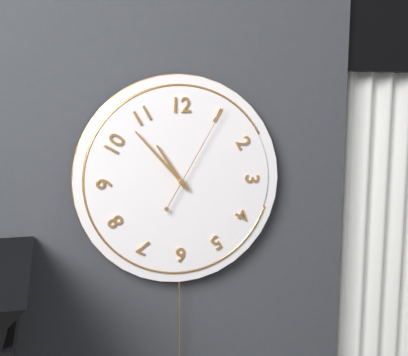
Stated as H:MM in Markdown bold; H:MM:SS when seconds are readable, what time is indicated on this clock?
**10:53:05**
